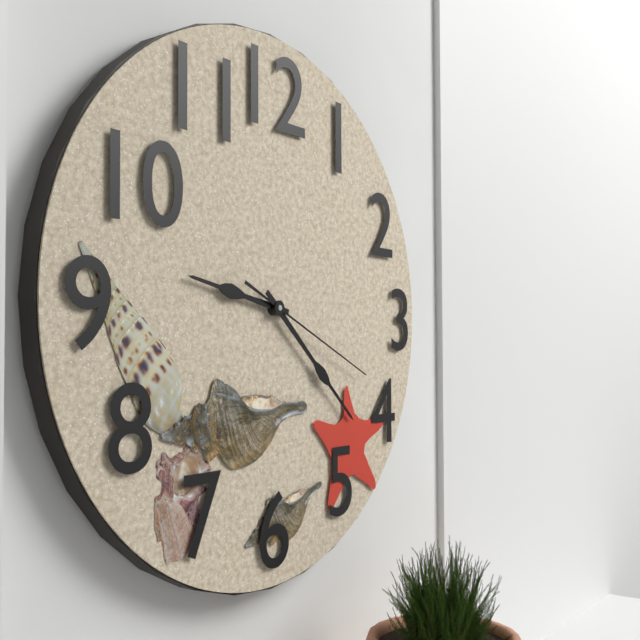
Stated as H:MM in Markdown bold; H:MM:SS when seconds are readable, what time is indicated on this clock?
**9:22:19**
